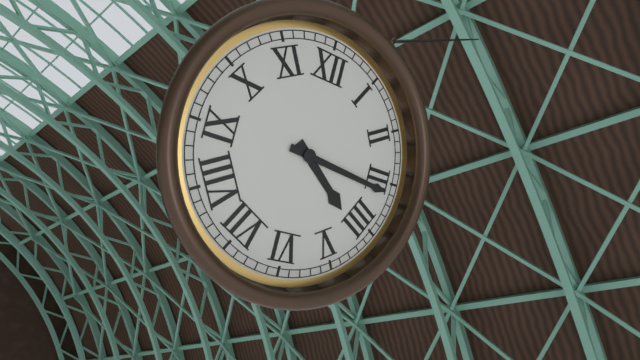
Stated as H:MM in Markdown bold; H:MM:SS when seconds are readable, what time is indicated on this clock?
**4:16**
